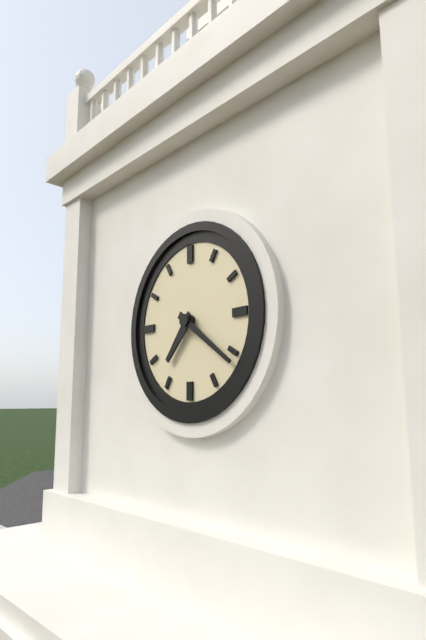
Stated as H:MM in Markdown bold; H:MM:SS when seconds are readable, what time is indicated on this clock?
**7:21**
